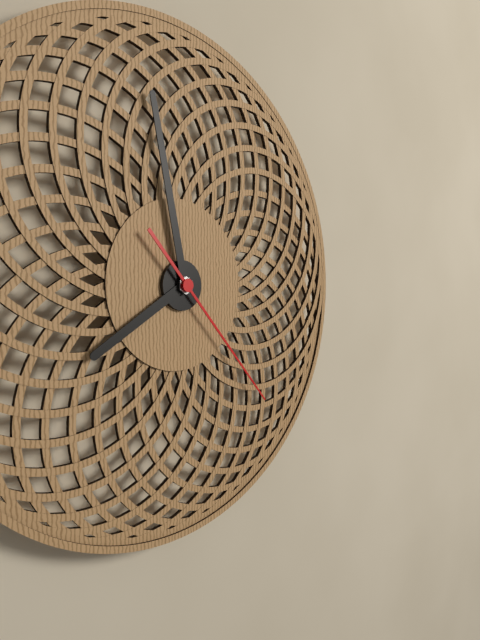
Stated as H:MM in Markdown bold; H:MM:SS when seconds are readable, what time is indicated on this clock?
**7:58:23**
